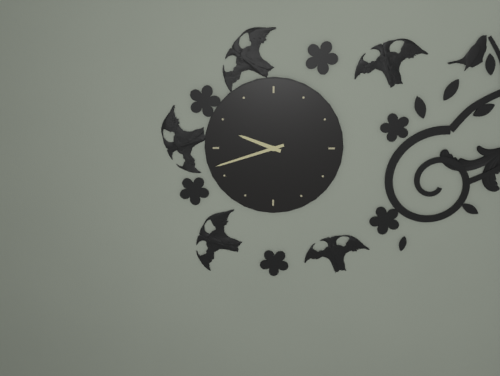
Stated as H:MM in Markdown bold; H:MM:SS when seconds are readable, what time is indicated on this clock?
**9:42**
